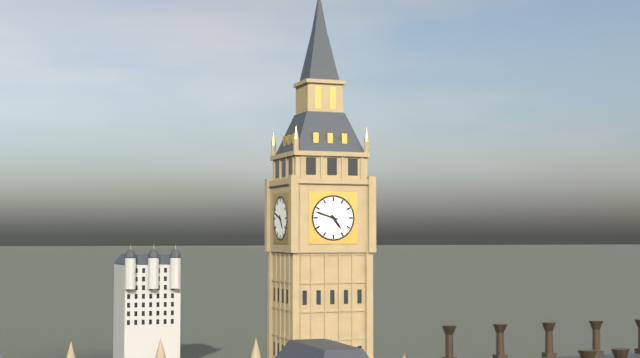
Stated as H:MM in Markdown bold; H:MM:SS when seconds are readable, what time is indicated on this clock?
**4:48**
